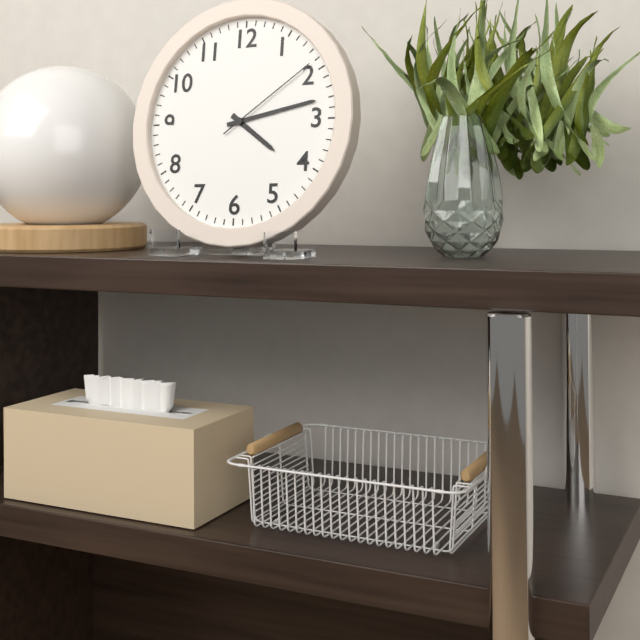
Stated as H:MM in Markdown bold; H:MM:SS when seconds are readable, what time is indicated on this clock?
**4:13:09**
